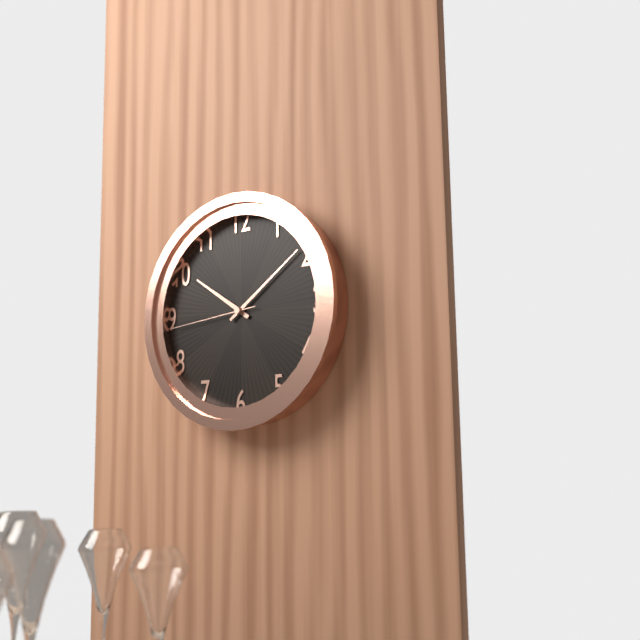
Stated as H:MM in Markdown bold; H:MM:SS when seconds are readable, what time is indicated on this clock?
**10:09:44**
